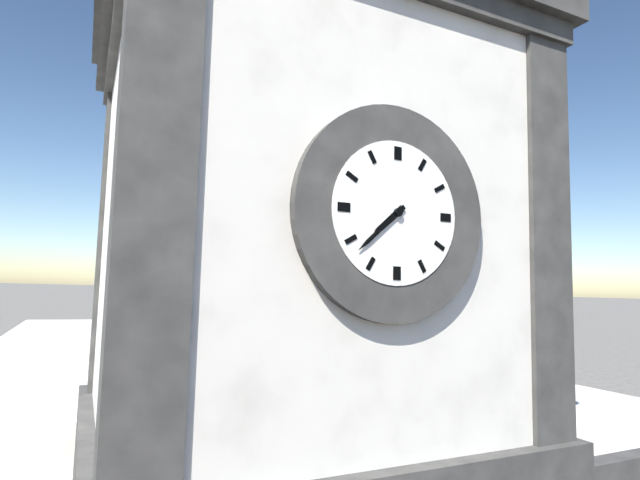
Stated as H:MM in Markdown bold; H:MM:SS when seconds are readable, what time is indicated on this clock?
**7:38**
